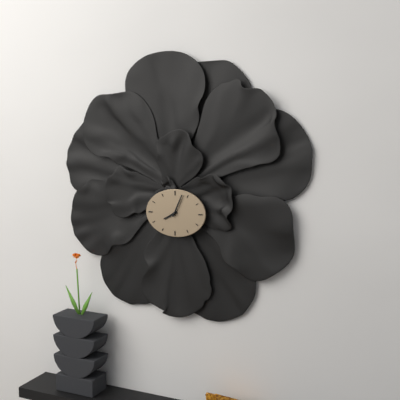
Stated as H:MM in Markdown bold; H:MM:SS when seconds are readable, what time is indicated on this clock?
**8:04**
